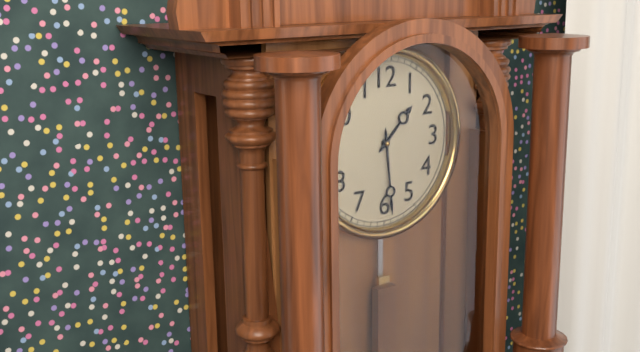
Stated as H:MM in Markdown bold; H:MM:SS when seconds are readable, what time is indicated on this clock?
**1:29**
